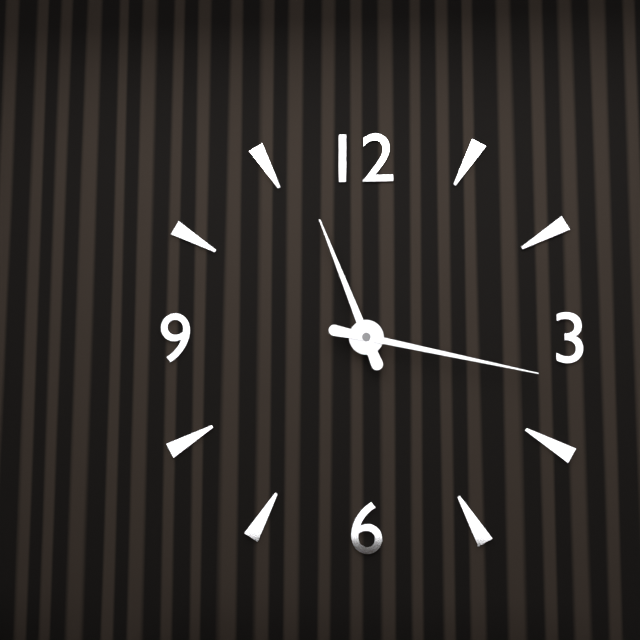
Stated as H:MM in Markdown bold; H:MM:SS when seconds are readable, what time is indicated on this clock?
**11:17**
